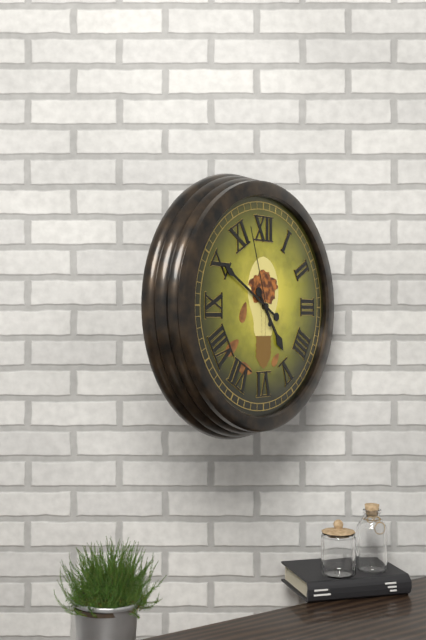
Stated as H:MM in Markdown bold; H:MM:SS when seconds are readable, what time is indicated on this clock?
**4:50:57**
